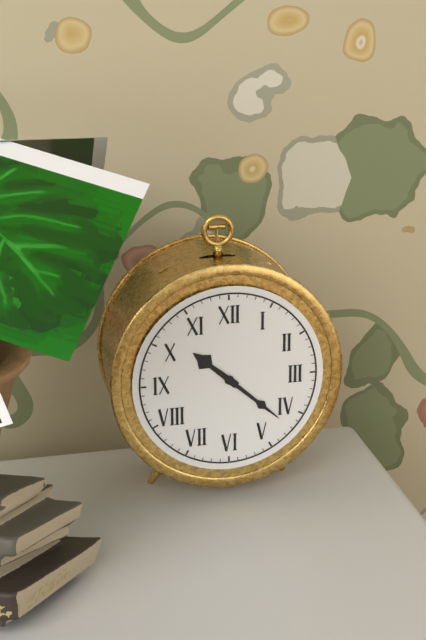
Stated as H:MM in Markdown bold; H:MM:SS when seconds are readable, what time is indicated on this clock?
**10:22**
